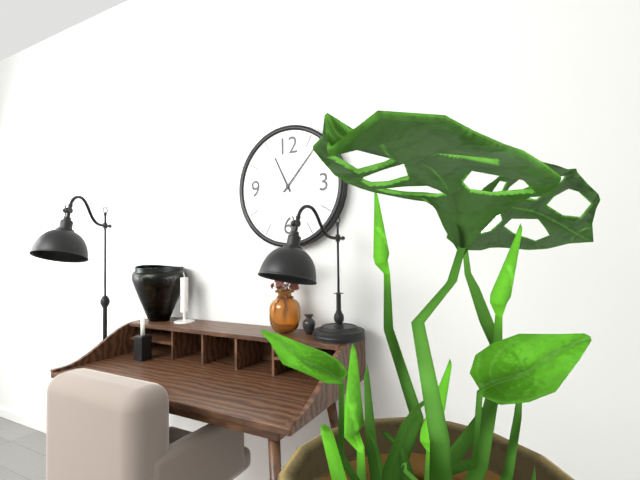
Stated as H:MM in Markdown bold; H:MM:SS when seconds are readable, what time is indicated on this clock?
**11:07**
